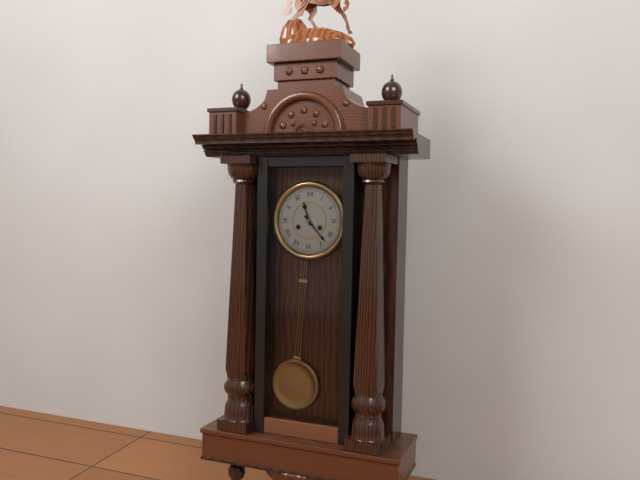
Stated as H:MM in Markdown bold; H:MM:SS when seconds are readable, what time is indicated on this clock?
**11:23**
